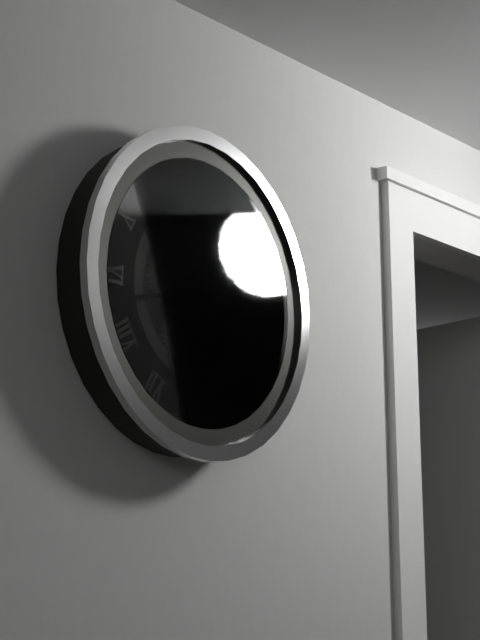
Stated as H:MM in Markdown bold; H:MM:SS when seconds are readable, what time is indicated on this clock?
**1:43**
